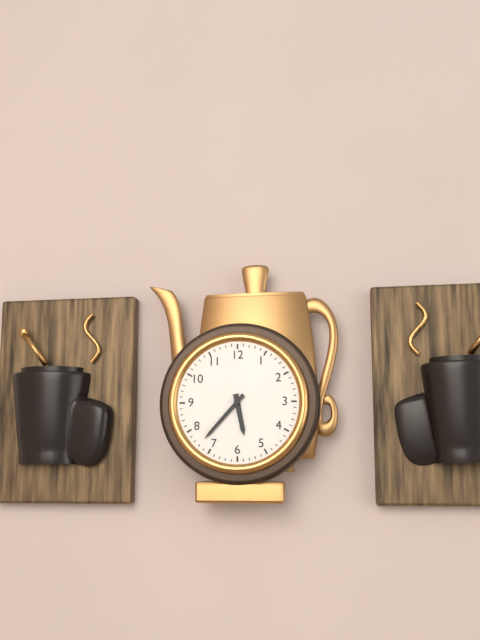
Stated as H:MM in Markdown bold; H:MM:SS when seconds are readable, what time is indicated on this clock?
**5:37**
